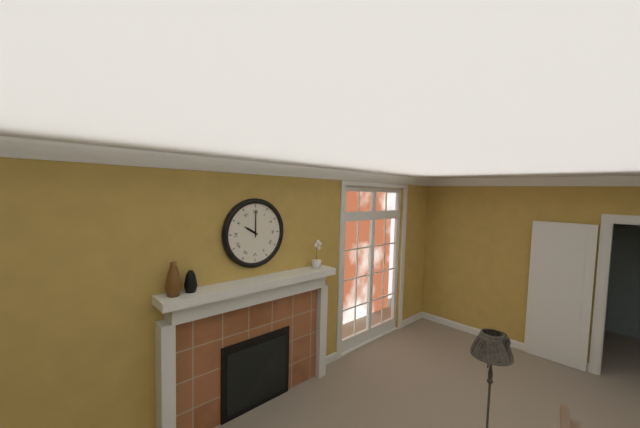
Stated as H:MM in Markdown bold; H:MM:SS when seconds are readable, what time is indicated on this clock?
**10:00**
